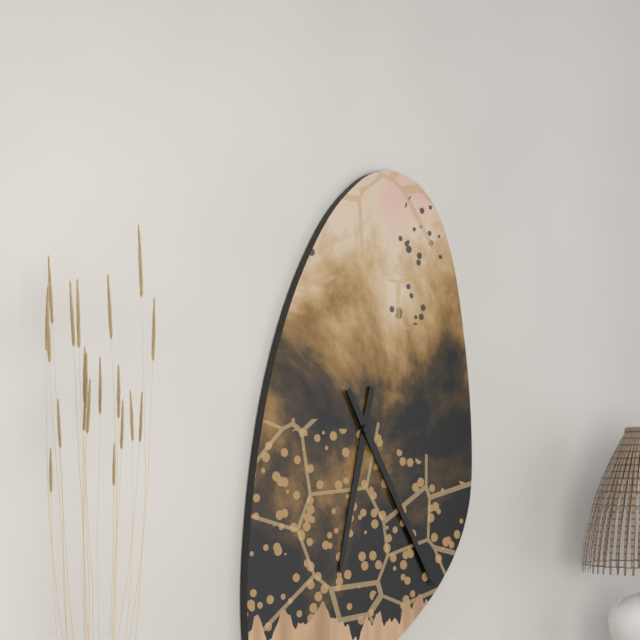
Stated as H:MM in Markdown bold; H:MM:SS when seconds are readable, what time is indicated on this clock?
**6:25**
